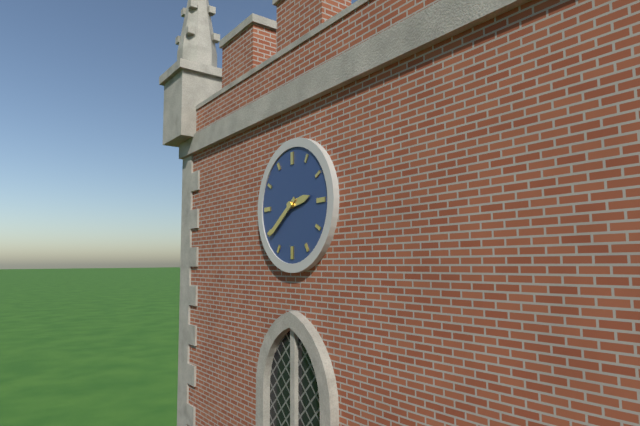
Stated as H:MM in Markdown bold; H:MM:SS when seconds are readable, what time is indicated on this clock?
**2:39**
